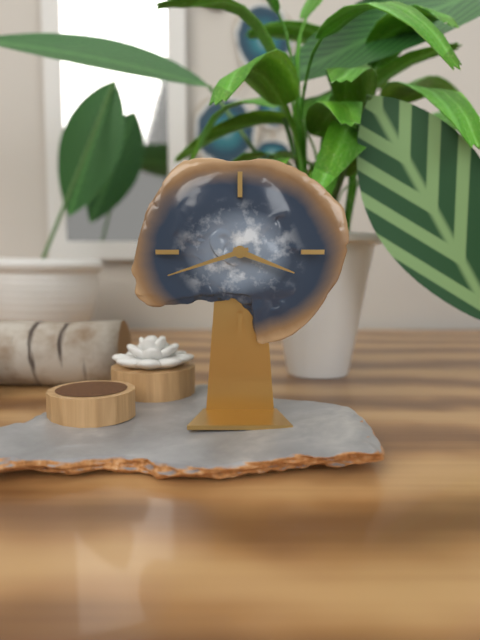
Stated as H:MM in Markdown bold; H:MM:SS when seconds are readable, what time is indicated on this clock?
**3:42**
